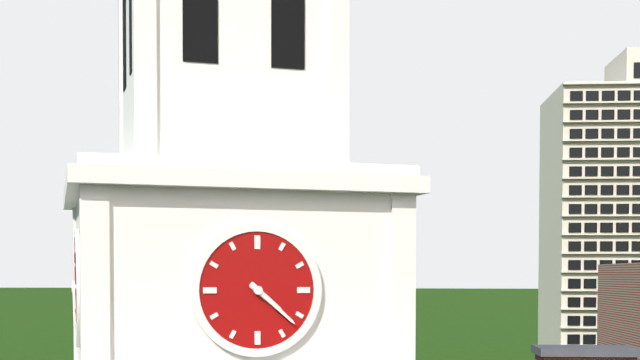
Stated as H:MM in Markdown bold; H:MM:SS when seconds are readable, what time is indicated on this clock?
**4:22**
